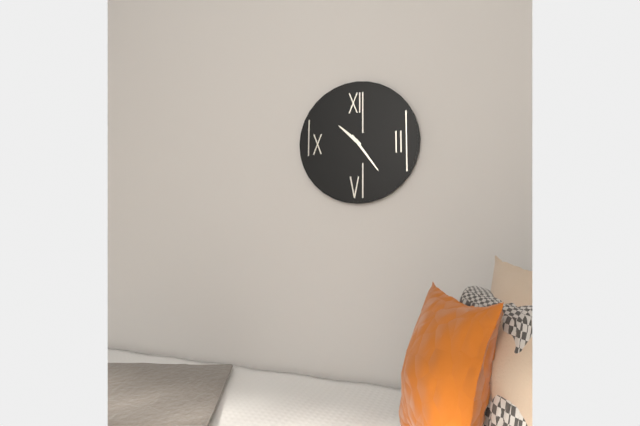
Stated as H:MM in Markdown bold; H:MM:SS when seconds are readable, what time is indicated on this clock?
**10:24**
